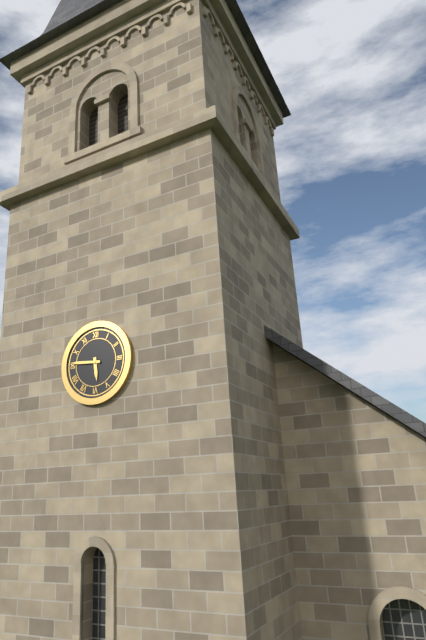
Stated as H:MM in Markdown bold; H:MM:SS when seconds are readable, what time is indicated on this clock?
**5:46**
